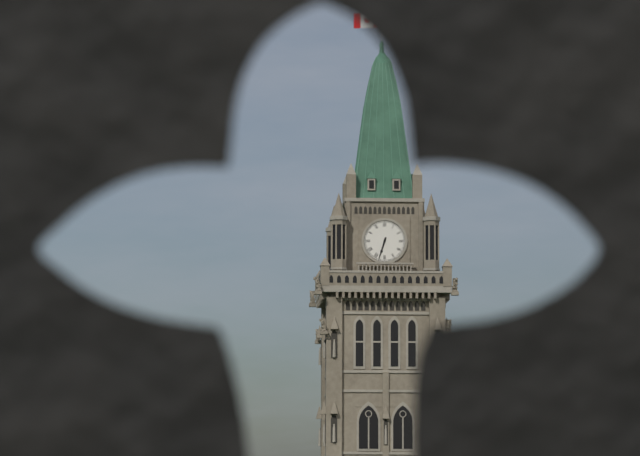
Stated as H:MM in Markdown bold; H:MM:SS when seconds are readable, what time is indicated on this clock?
**6:33**
